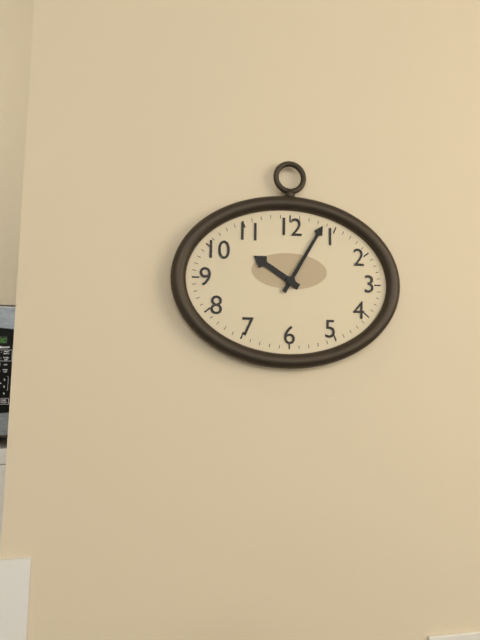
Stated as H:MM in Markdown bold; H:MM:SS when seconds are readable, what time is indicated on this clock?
**10:05**
